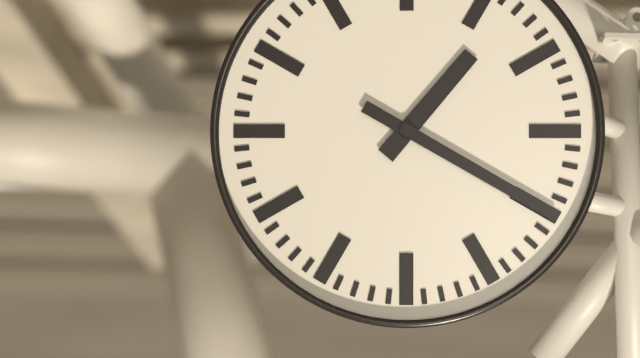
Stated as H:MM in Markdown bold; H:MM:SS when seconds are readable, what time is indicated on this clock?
**1:20**
